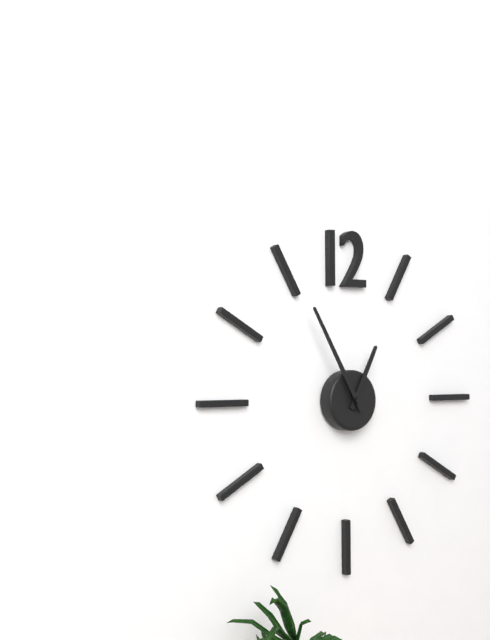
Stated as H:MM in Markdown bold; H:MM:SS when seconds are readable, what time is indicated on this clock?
**12:55**
